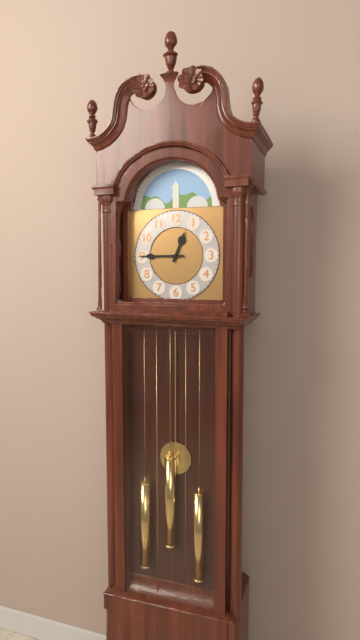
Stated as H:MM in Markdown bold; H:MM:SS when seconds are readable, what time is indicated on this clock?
**12:45**
